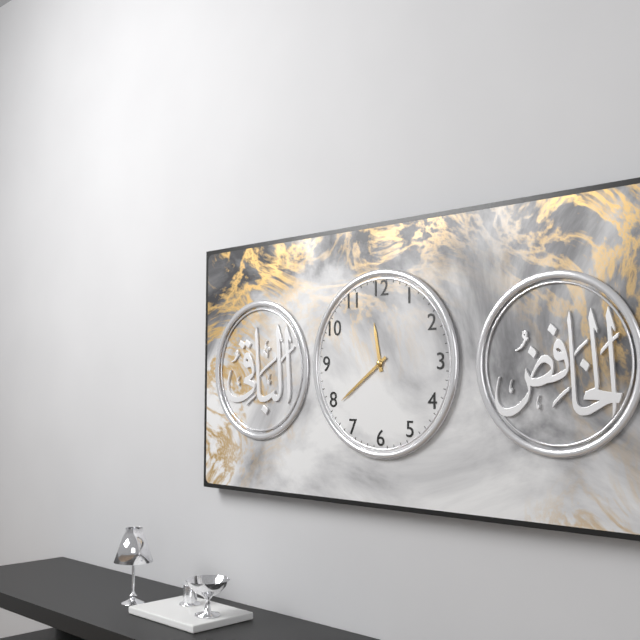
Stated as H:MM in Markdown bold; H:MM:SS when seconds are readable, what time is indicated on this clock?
**11:39**
